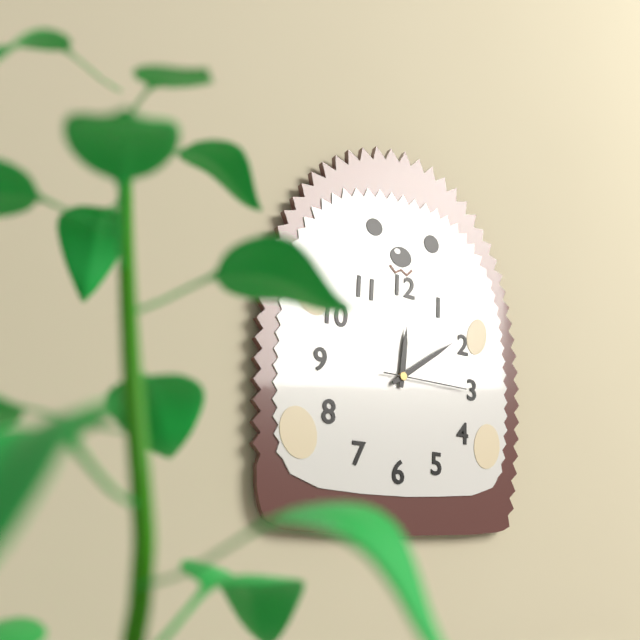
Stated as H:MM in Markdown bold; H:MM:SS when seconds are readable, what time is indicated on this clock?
**12:09:15**
